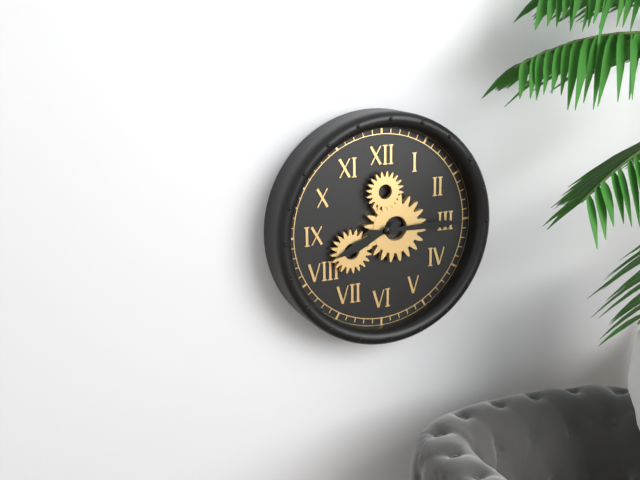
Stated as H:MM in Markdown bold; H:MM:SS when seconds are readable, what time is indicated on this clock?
**8:15**
